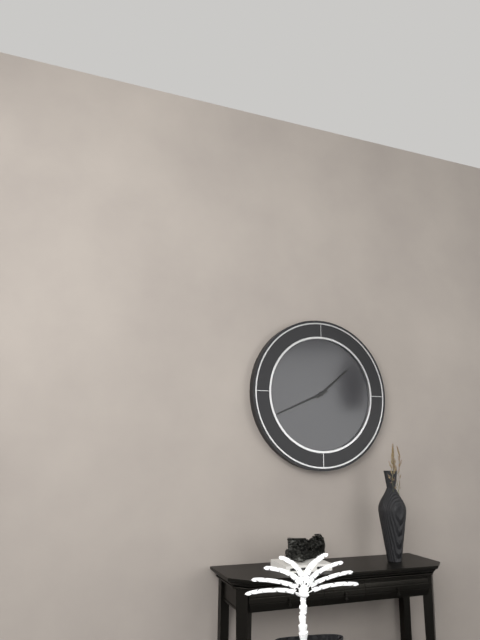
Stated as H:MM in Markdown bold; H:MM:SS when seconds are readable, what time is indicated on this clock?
**1:41**
